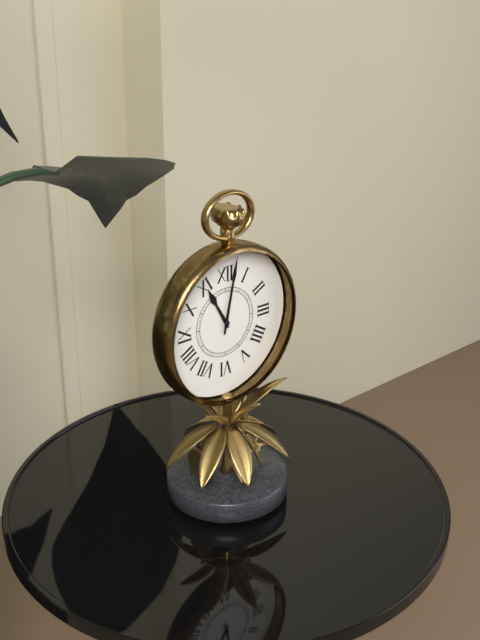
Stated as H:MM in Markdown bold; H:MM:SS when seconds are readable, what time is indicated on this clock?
**11:02**
